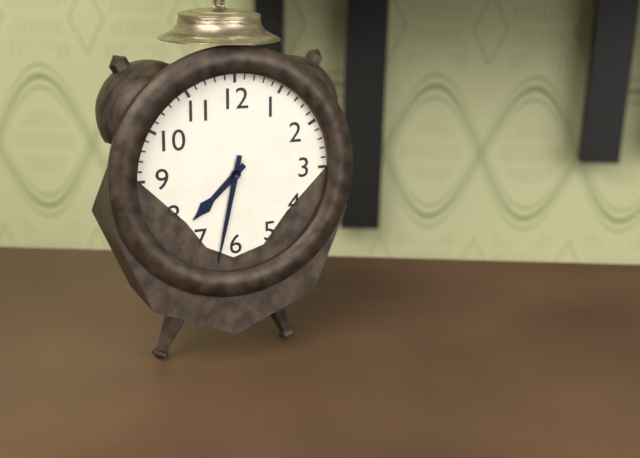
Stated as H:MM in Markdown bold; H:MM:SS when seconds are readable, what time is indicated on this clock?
**7:32**
